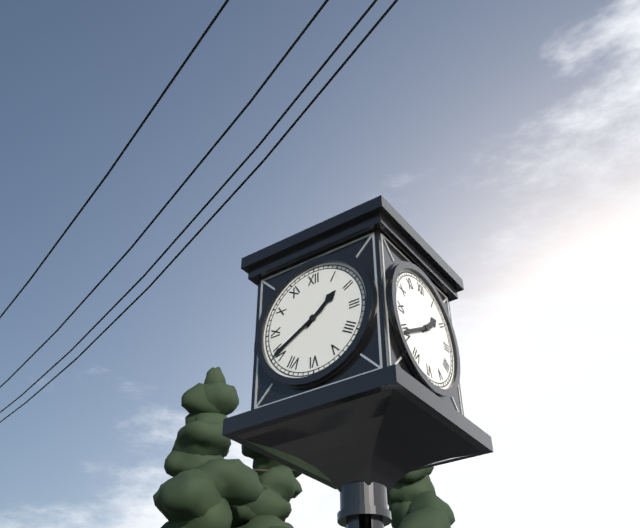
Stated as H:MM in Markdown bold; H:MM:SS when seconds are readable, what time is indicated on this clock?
**1:40**
